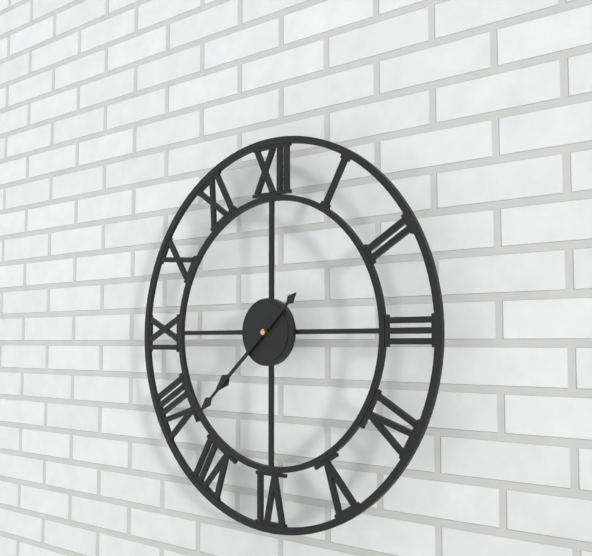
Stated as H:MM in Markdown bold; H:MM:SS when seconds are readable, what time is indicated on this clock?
**7:38**
